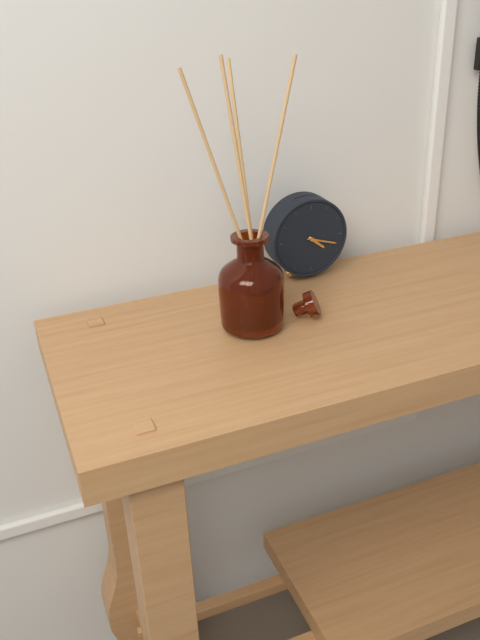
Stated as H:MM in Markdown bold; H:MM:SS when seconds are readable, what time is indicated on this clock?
**4:18**
